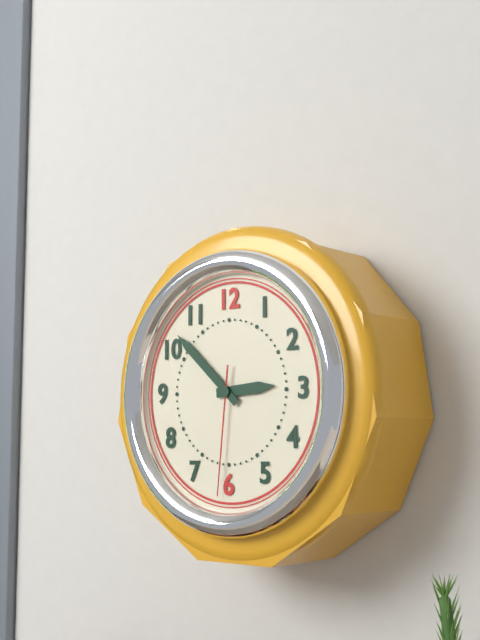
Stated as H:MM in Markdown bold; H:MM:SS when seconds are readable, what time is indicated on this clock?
**2:52:31**
